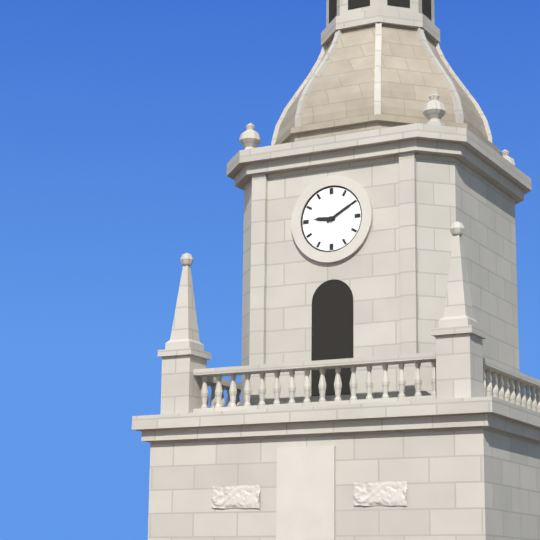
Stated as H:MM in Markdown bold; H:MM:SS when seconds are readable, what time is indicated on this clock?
**9:10**
